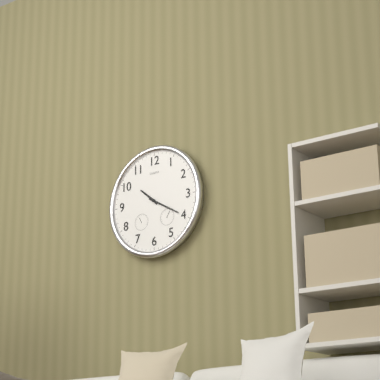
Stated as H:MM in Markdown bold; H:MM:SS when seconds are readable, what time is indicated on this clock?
**10:20**
